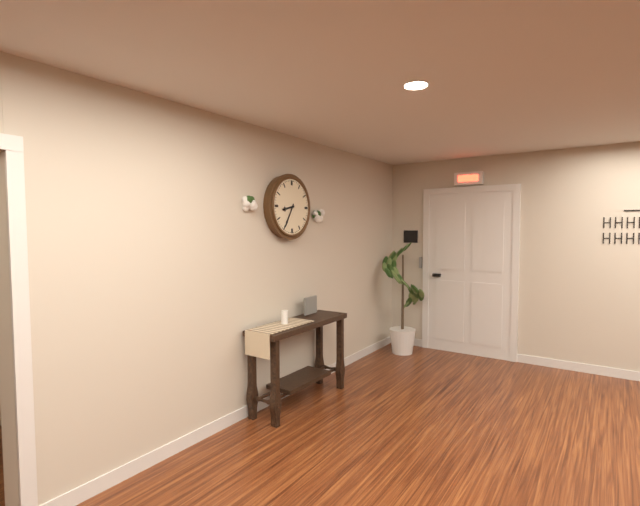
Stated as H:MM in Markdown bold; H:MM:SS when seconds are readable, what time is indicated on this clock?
**8:35**
